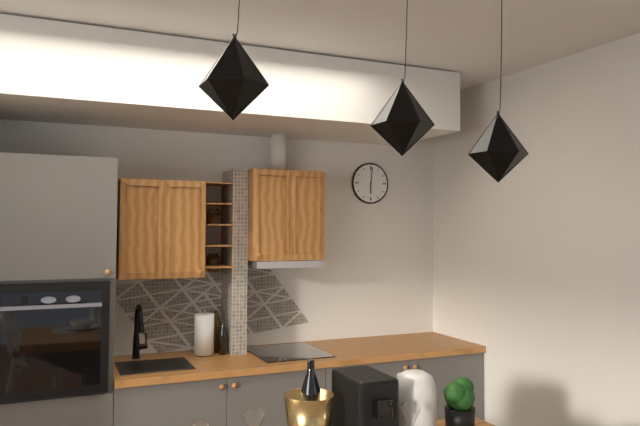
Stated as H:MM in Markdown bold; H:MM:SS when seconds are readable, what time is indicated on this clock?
**6:01**
